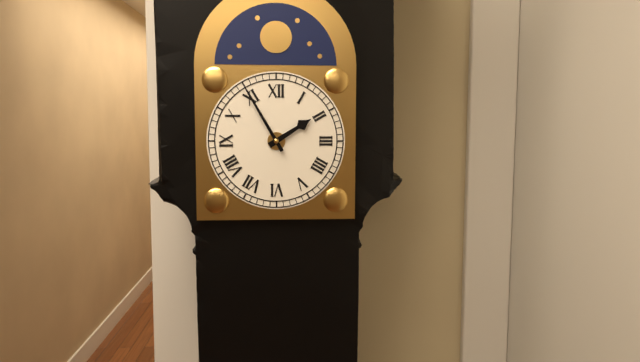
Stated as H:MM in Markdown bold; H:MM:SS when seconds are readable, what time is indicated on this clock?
**1:55**
